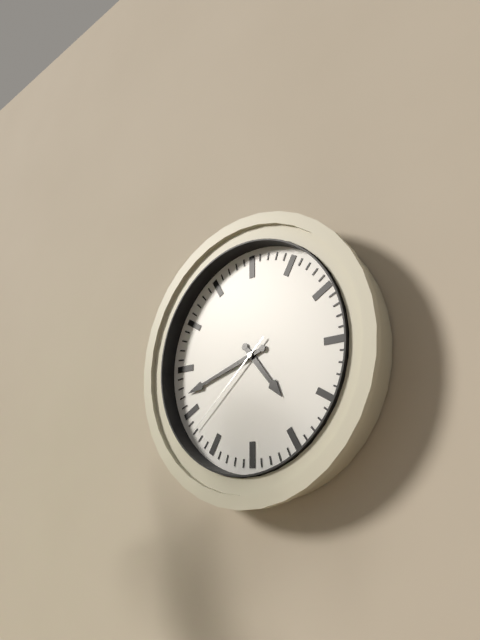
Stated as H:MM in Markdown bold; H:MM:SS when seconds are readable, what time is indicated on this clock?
**4:42:38**
